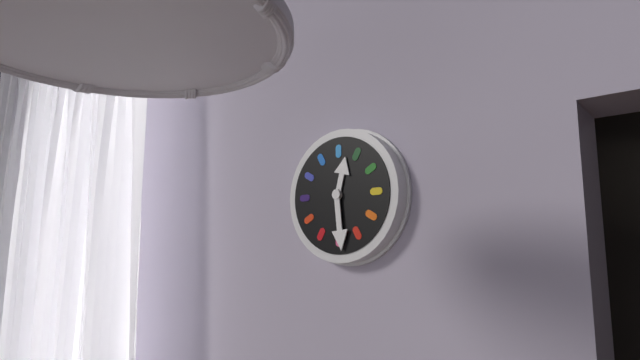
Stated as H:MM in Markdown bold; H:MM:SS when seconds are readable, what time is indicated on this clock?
**12:29**
